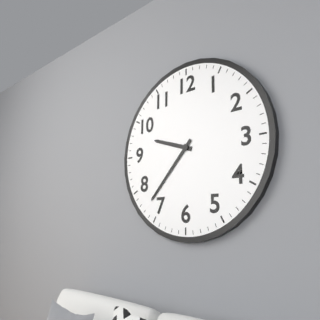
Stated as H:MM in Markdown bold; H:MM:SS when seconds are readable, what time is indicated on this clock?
**9:37**
